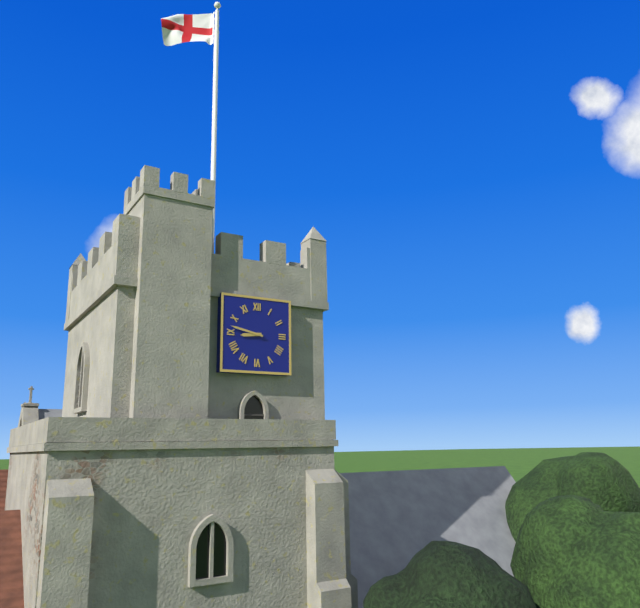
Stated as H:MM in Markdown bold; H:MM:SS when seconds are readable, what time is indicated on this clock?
**8:47**
